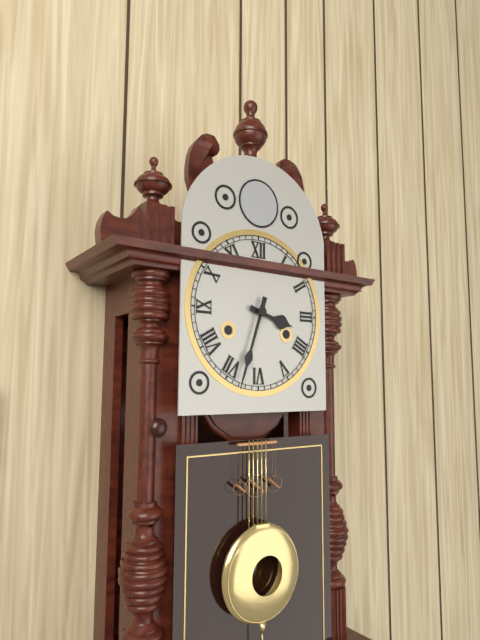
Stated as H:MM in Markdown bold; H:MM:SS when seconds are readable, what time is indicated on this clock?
**3:33**
